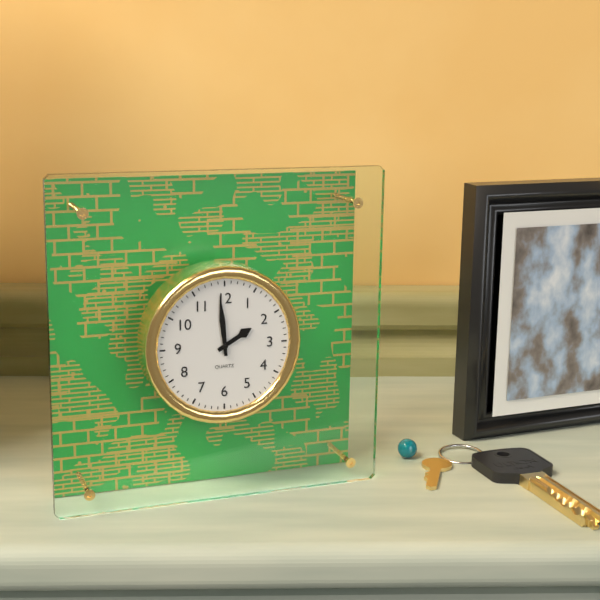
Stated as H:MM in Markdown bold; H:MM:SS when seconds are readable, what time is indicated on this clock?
**1:59**
